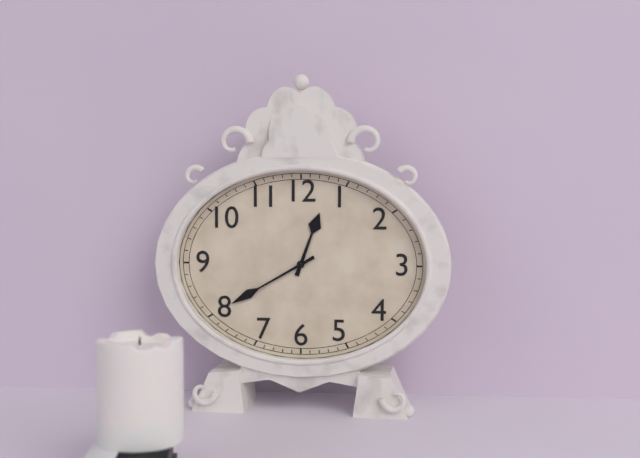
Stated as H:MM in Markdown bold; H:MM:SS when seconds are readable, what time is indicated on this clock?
**12:40**
